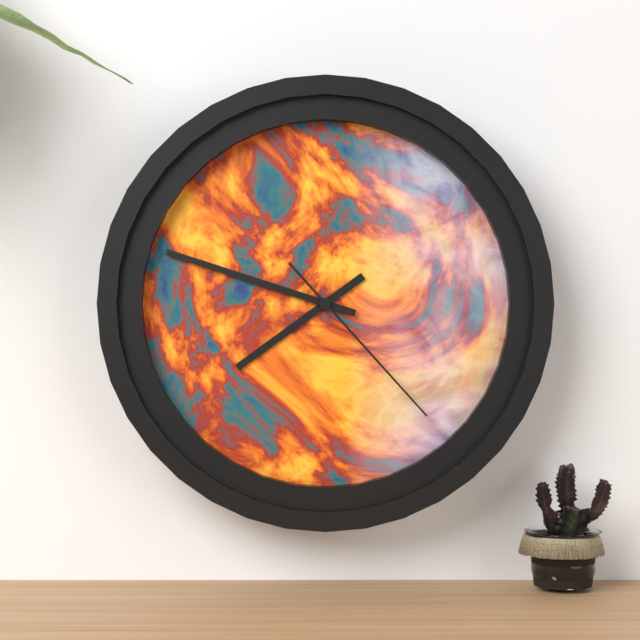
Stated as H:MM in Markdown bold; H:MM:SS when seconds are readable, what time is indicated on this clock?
**7:48:23**
